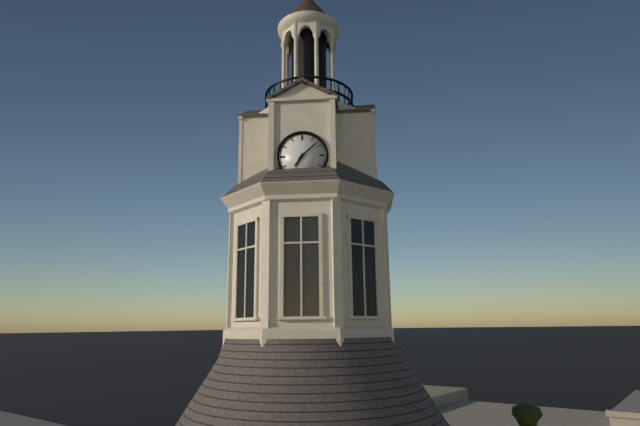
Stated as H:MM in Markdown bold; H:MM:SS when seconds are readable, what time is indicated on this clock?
**7:08**
